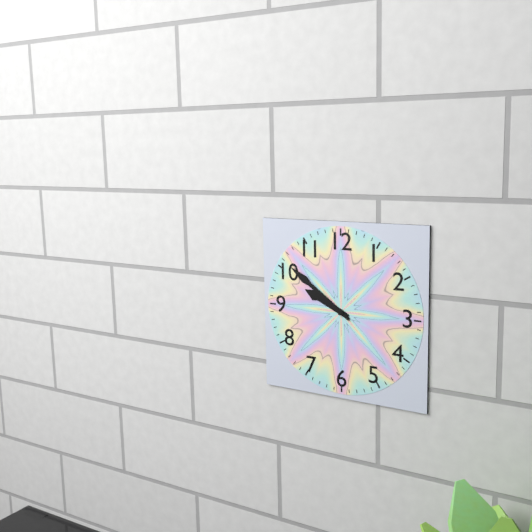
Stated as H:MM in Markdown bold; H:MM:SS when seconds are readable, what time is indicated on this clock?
**9:51**
